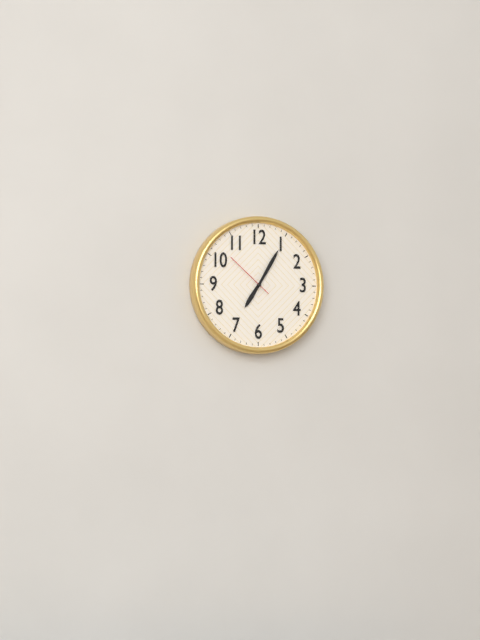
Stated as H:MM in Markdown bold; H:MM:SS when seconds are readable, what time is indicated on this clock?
**7:05:52**
